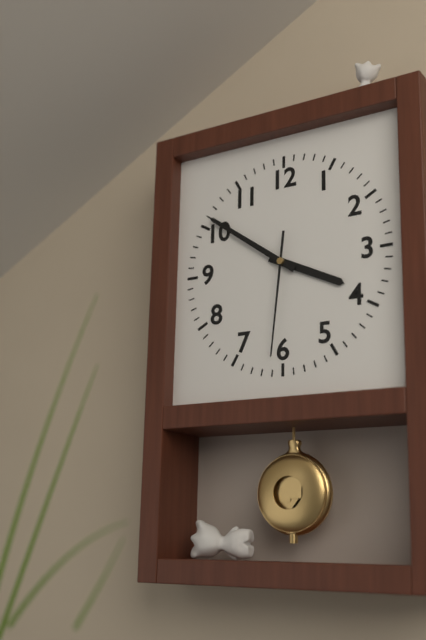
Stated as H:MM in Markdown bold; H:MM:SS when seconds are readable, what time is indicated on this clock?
**3:51:31**
